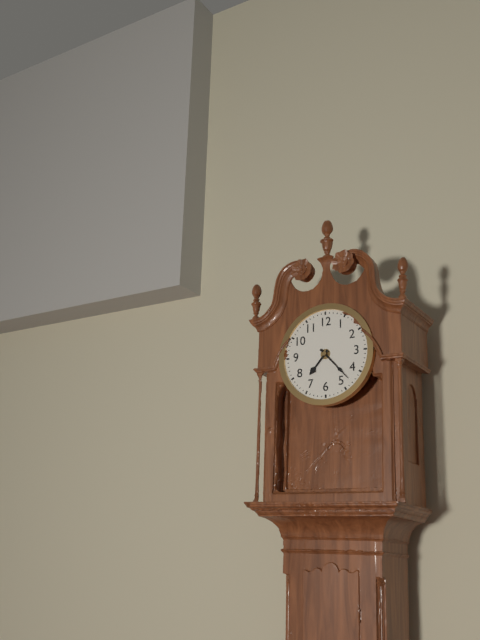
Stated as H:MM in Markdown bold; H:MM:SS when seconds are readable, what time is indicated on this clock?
**7:23**
